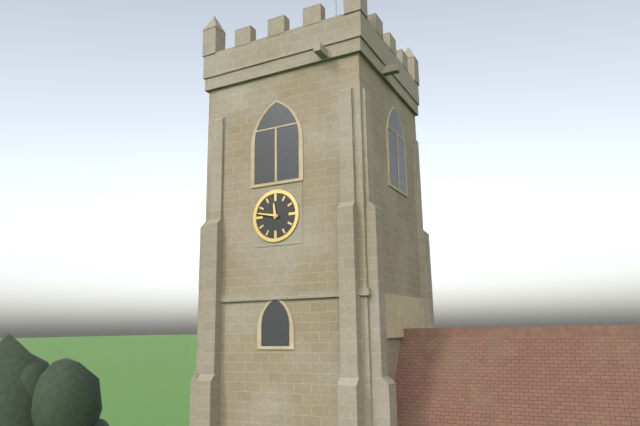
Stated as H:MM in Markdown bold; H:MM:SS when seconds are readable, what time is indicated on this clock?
**11:47**
